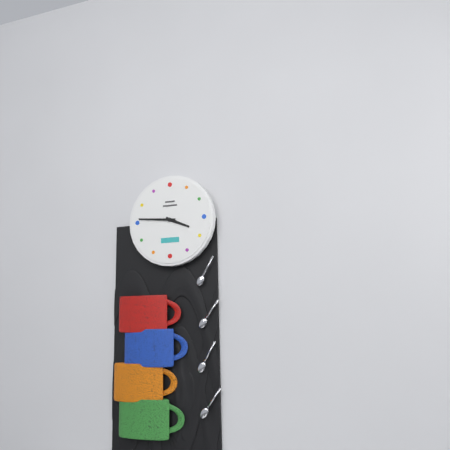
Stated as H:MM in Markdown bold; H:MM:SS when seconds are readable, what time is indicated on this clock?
**3:46**
